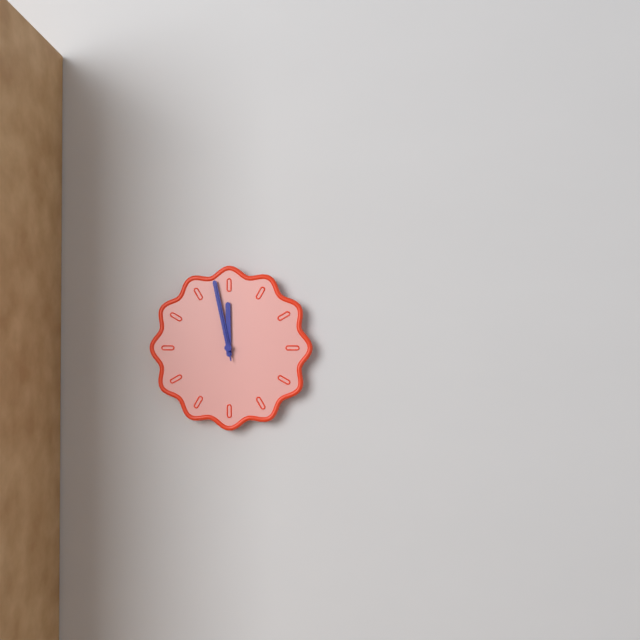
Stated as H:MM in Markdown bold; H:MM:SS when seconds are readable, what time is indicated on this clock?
**11:58:58**
